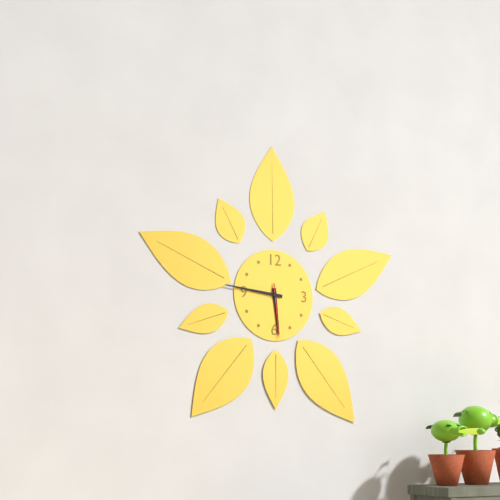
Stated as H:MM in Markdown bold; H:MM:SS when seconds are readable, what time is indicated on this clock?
**5:46:29**
